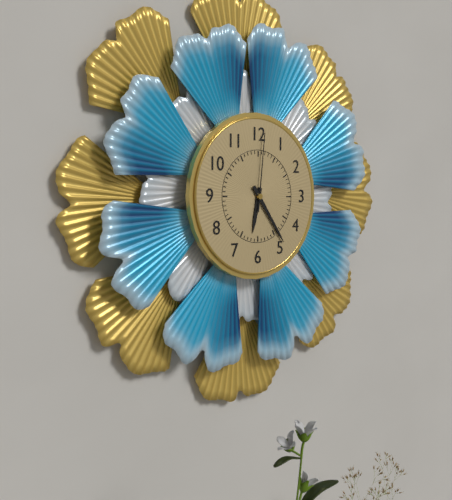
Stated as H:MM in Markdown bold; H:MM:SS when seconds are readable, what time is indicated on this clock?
**6:24:01**
